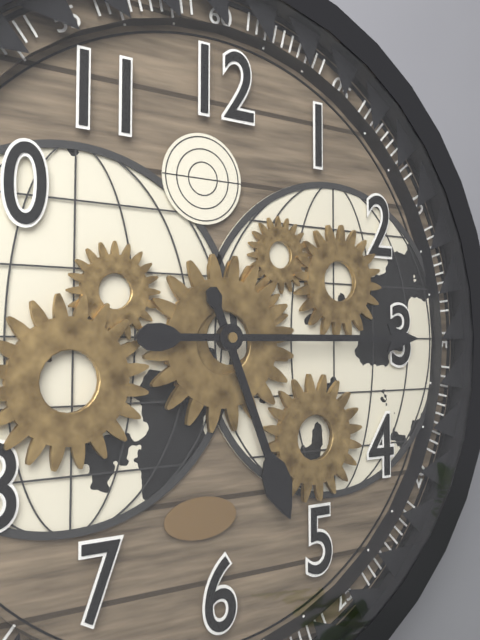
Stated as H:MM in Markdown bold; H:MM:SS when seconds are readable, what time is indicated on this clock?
**5:15**
